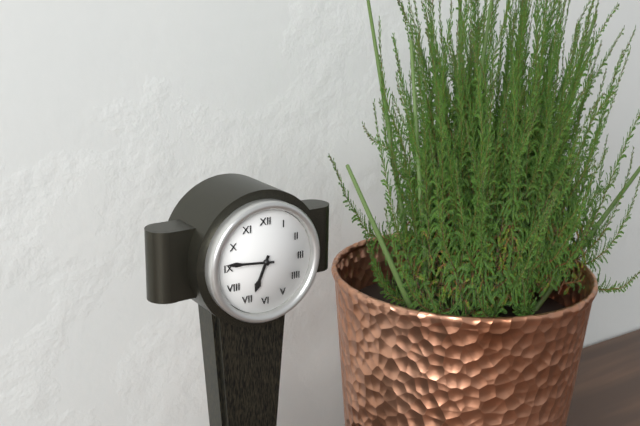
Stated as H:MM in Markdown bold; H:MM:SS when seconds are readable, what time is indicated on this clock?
**6:46**
